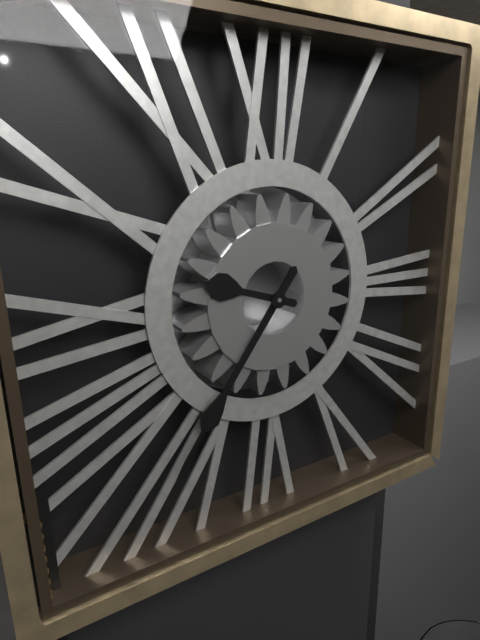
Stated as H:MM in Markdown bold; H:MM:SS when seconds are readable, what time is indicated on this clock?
**9:36**
